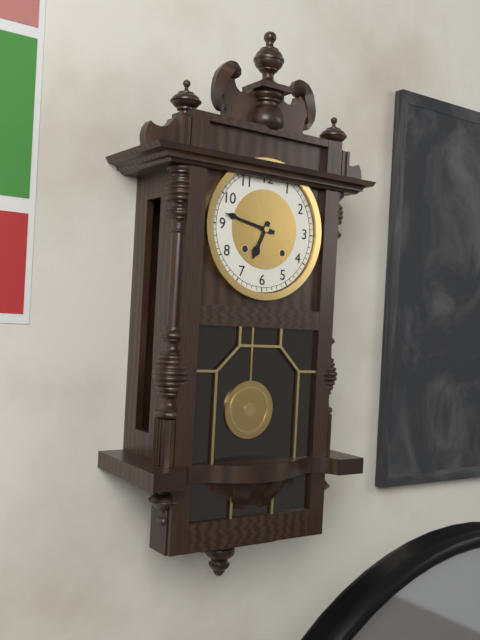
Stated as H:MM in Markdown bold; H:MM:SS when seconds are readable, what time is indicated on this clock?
**6:47**
